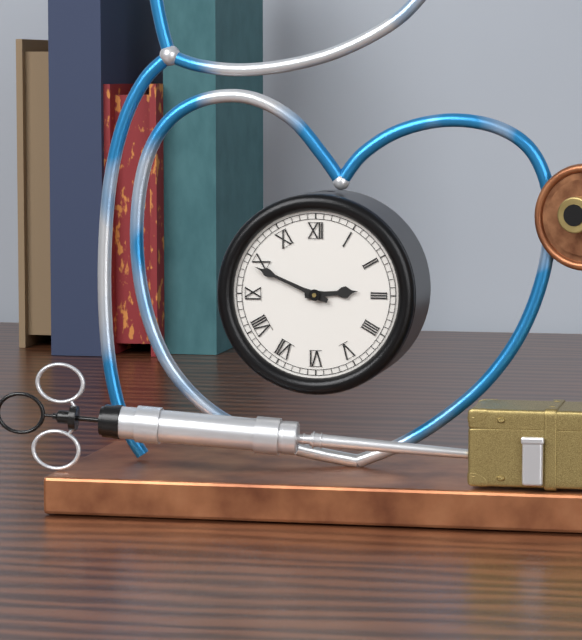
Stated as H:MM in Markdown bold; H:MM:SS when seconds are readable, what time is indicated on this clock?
**2:49**
